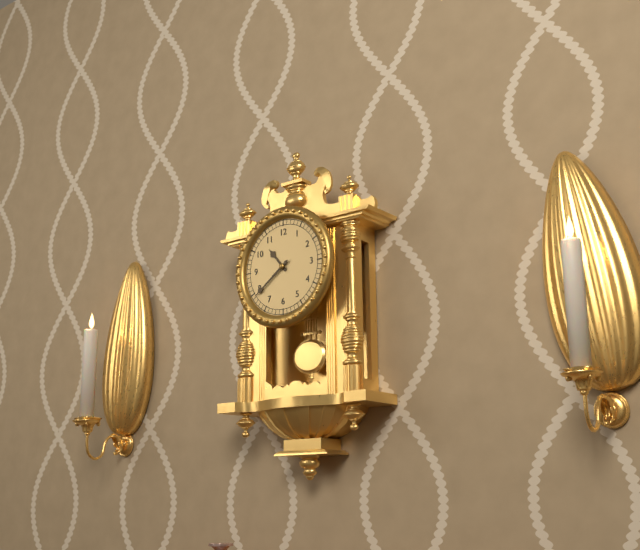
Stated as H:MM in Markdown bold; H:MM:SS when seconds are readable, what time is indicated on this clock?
**10:39**
